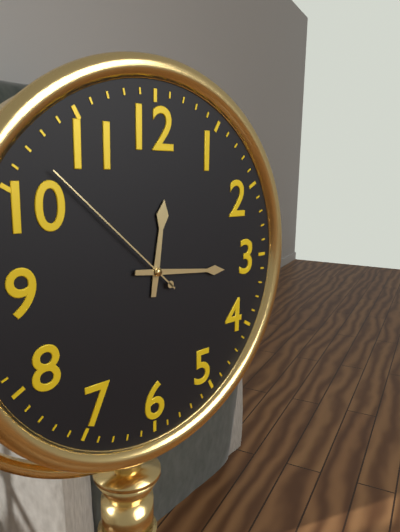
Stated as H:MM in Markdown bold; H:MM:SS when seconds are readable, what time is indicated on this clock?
**12:16:52**
